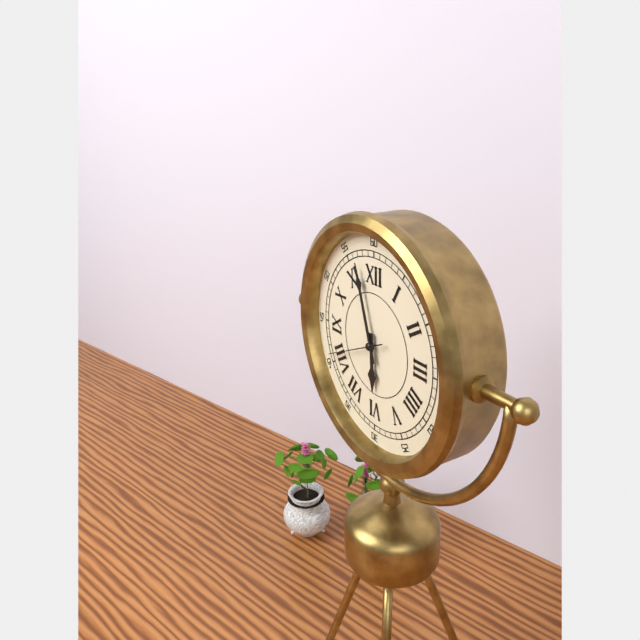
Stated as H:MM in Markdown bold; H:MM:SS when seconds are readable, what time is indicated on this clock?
**5:57:41**
